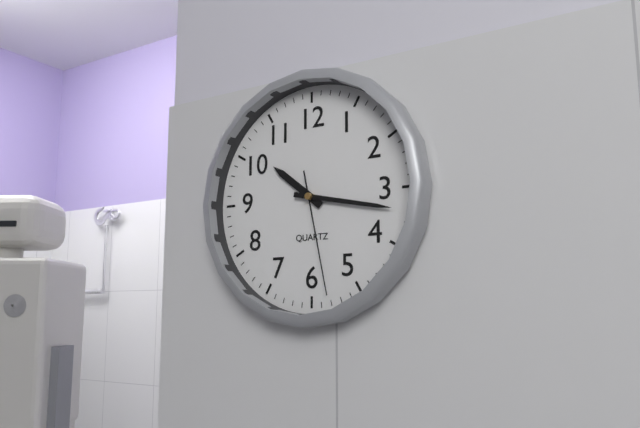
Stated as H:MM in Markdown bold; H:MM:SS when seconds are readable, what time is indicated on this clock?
**10:17:28**
